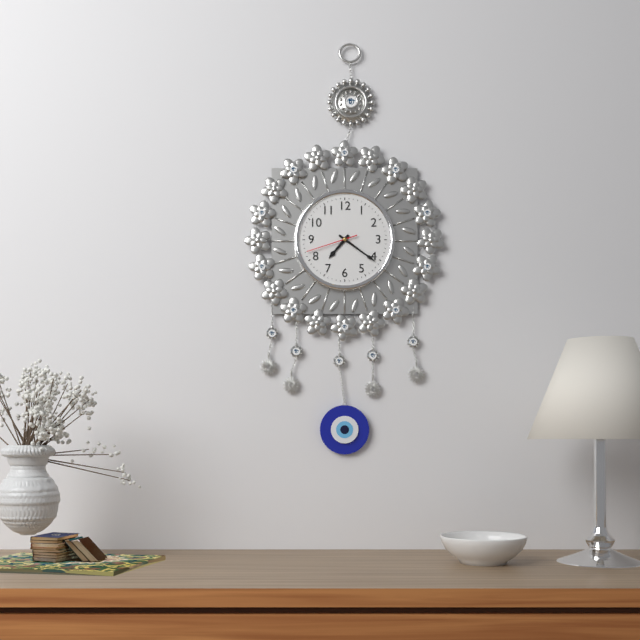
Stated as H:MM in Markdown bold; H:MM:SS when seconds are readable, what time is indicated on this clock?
**7:21**
